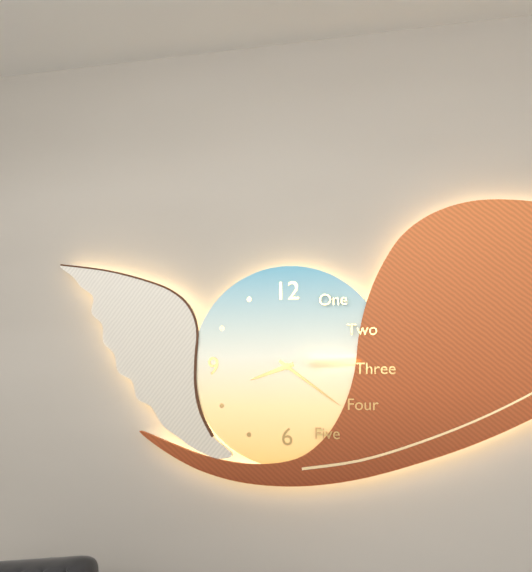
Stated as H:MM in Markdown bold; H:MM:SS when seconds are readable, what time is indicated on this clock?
**8:21**
